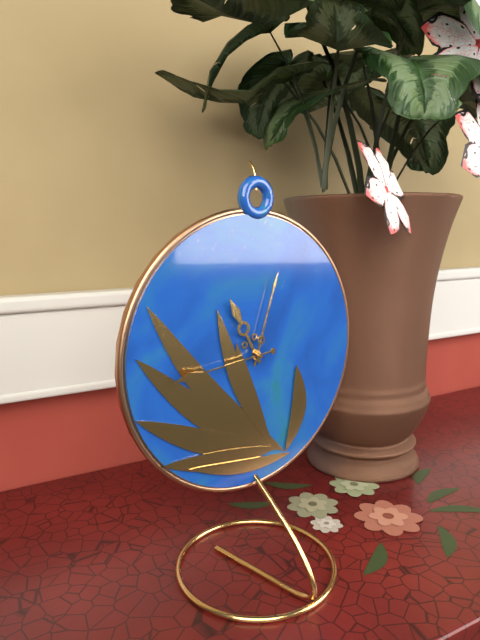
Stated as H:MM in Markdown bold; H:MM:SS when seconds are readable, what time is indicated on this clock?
**11:03:44**
